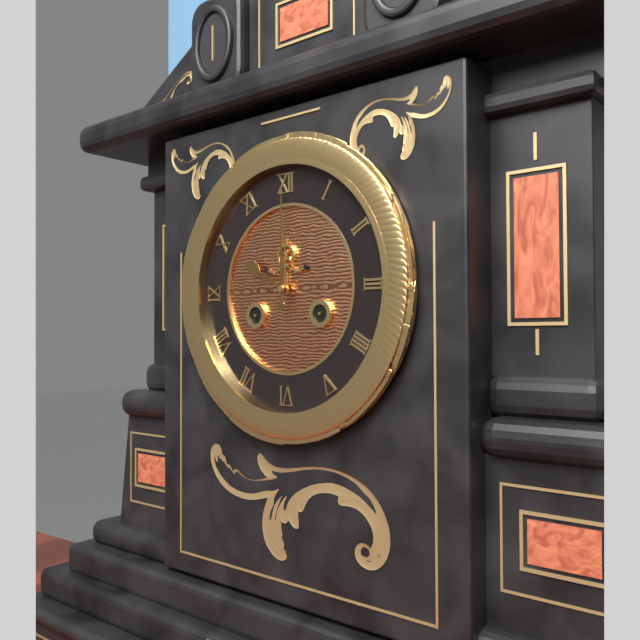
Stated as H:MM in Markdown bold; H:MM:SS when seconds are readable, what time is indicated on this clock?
**10:00**
